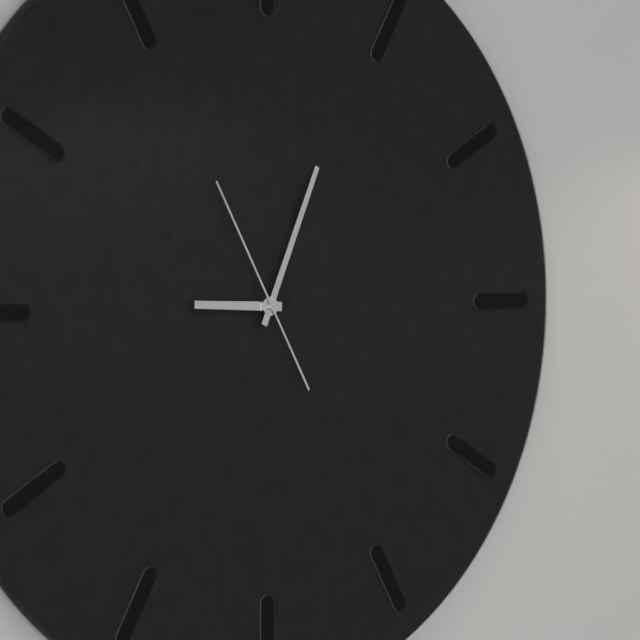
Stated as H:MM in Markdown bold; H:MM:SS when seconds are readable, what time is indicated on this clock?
**9:04:55**
